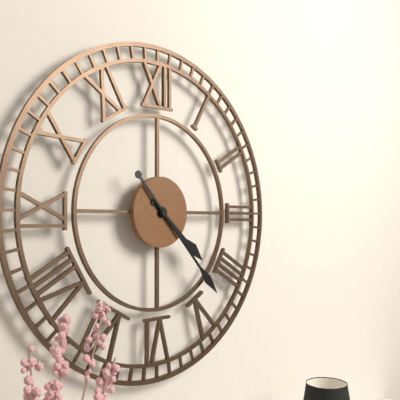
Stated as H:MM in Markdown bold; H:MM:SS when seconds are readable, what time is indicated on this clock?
**4:23**
